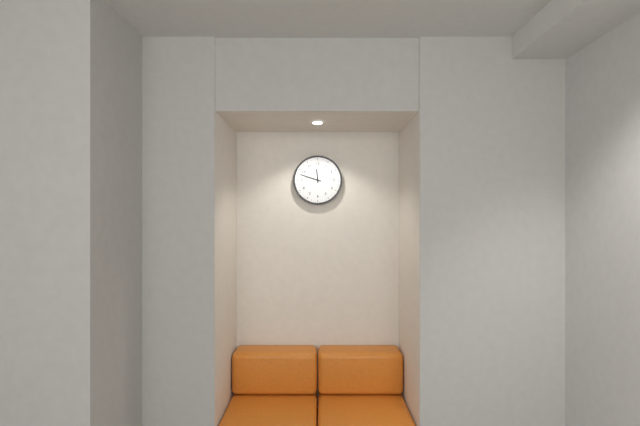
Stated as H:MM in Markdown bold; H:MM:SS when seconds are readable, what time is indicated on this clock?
**11:48**
